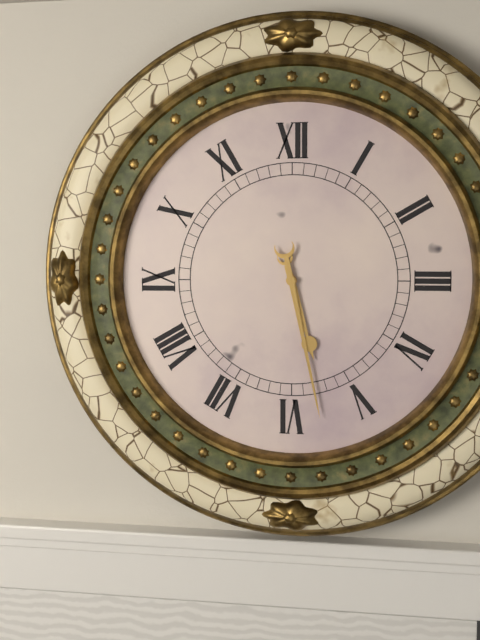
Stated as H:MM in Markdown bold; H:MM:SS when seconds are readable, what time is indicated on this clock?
**5:28**
